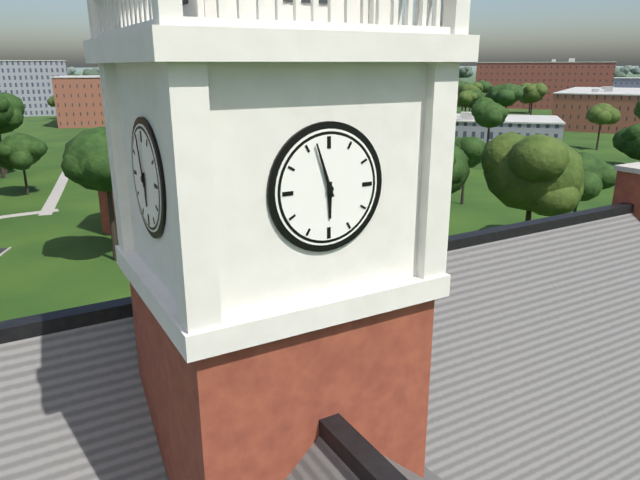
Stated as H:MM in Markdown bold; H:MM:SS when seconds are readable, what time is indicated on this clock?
**5:57**
